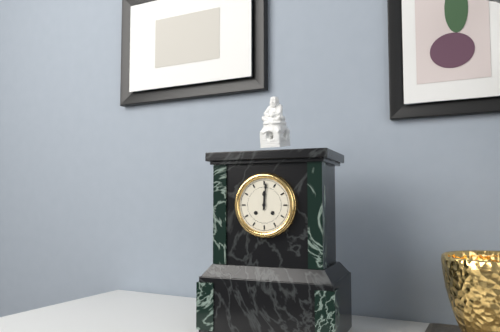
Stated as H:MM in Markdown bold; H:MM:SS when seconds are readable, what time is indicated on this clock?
**12:01**
